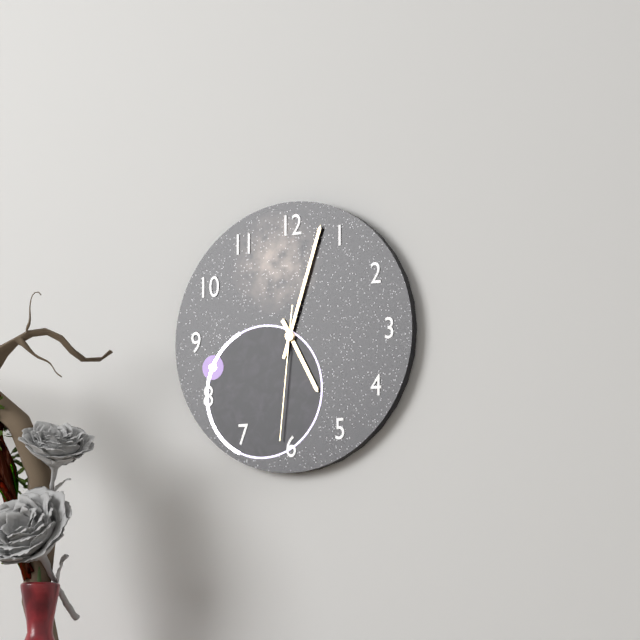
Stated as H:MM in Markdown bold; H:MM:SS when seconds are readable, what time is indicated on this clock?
**5:03:31**
